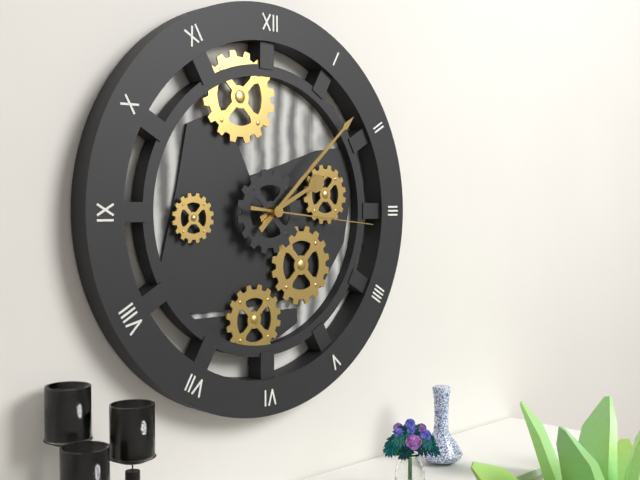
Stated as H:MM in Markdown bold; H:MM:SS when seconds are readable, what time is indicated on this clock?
**2:08:16**
